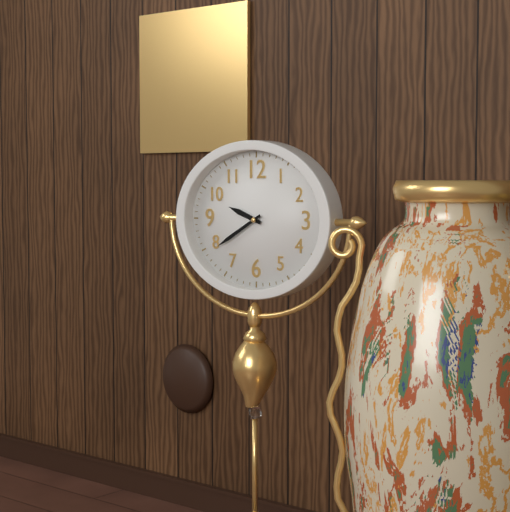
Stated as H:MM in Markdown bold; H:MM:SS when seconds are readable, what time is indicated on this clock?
**9:40**
